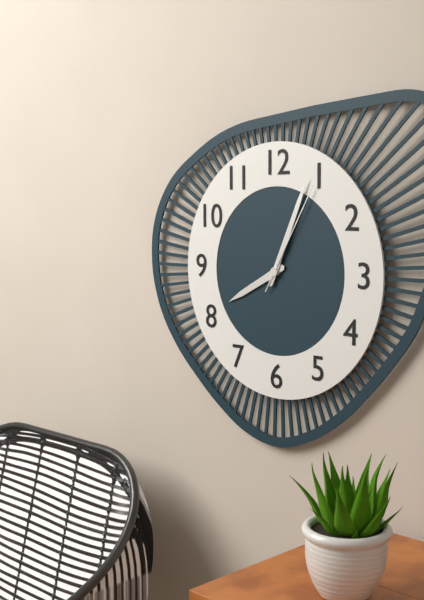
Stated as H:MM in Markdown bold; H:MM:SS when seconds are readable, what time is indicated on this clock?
**8:04:05**
